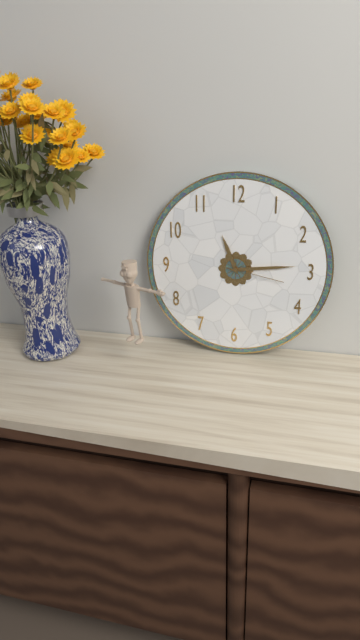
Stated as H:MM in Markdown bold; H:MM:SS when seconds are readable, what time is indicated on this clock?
**11:14:17**
